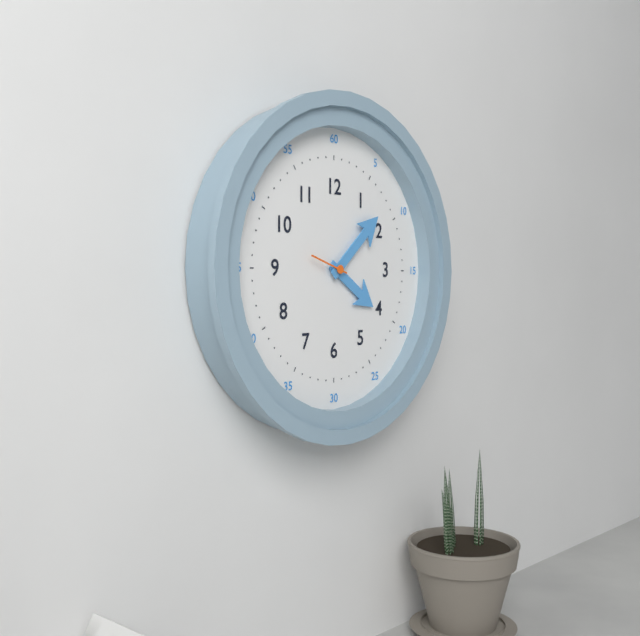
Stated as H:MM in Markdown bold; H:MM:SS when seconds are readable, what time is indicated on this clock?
**4:08**
